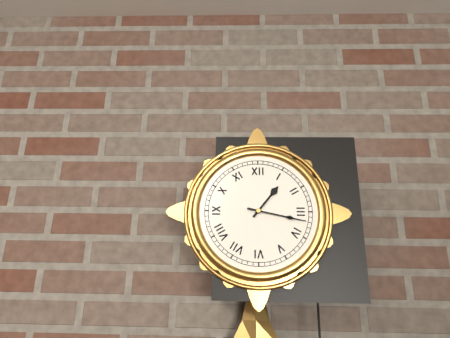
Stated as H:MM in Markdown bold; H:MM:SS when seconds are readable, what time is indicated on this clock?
**1:17**
